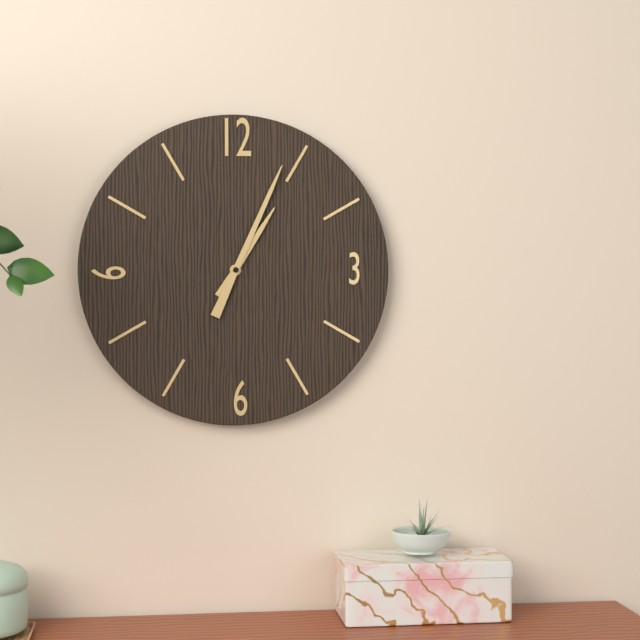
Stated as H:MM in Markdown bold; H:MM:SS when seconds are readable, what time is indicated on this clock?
**1:04**
